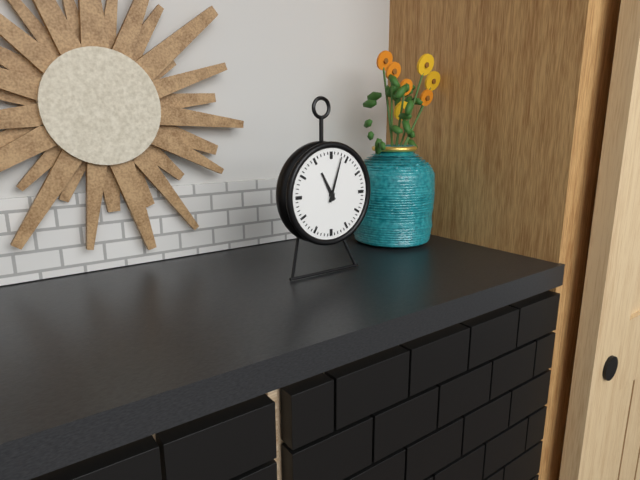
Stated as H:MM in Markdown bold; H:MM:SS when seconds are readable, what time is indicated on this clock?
**11:03**
